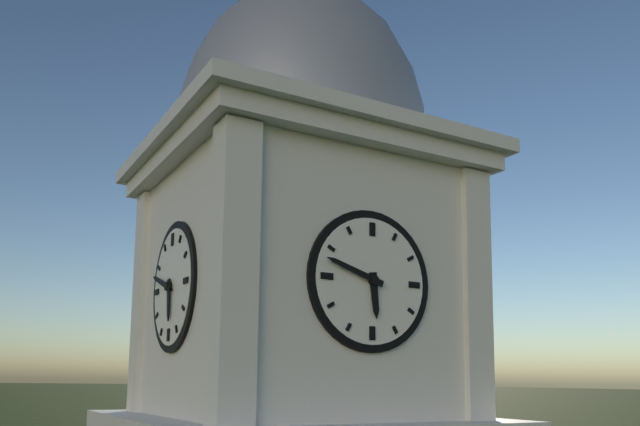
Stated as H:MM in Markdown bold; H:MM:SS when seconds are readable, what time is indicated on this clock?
**5:48**
